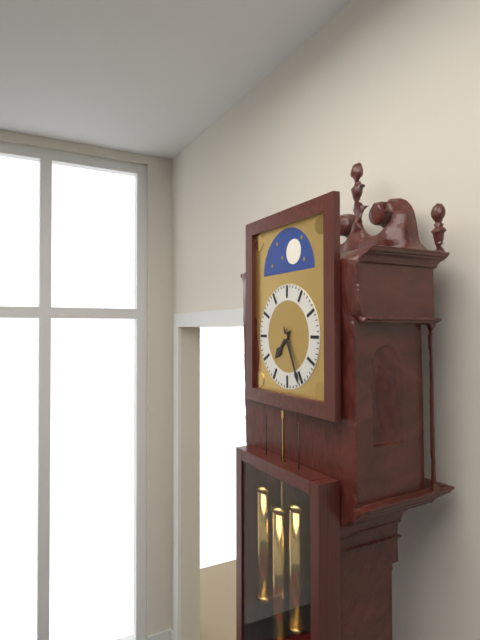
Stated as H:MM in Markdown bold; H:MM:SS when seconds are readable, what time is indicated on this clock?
**7:26**
